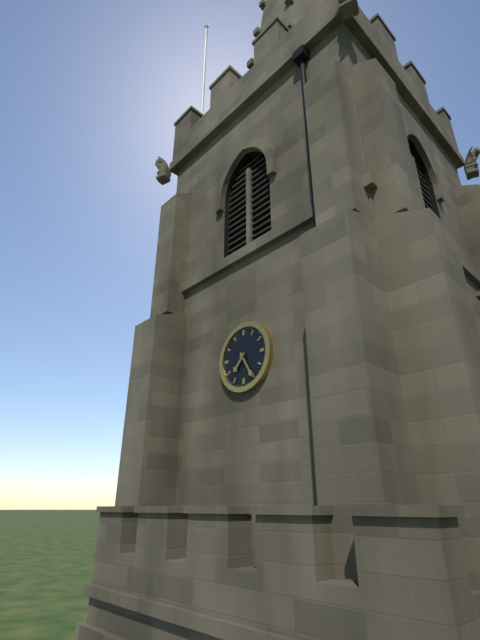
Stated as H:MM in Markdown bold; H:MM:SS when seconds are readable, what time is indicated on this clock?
**7:25**
